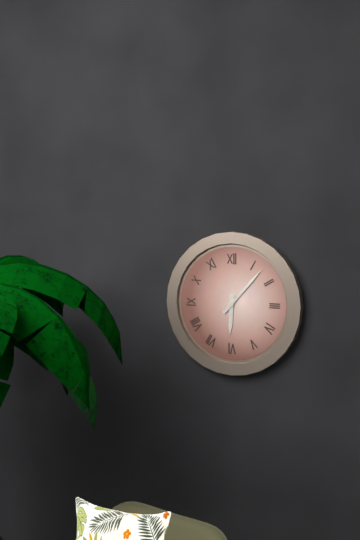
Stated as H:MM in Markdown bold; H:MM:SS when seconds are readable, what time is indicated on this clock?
**6:07**
